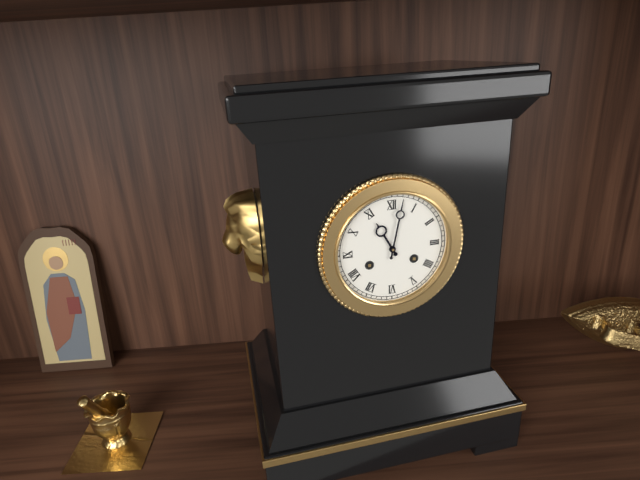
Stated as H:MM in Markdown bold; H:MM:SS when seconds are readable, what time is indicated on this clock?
**11:02**
